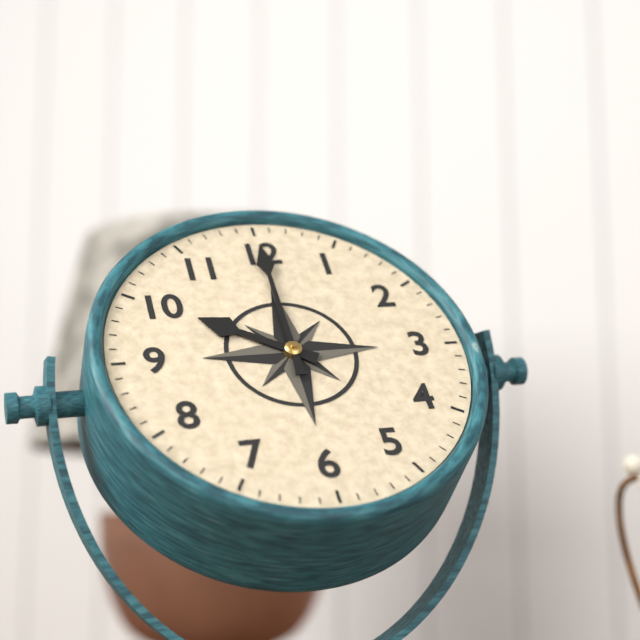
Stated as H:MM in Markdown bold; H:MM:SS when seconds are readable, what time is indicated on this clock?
**10:00**
